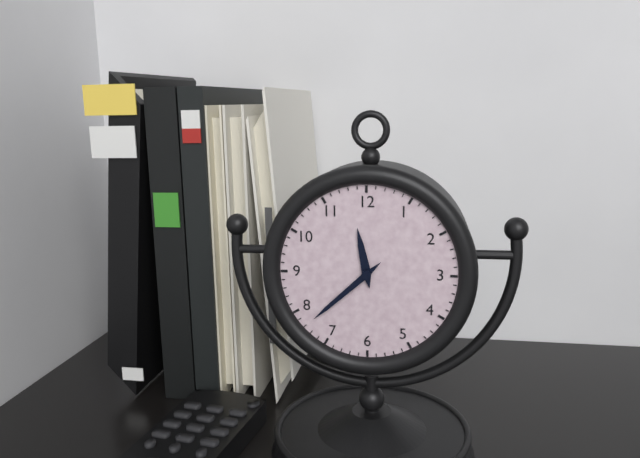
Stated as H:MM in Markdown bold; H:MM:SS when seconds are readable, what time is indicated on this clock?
**11:38**
